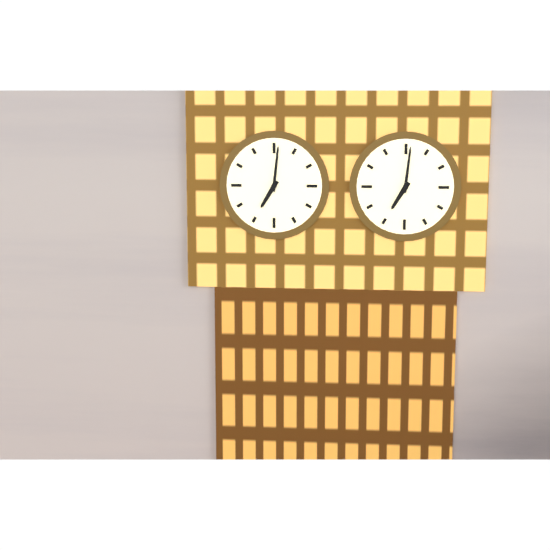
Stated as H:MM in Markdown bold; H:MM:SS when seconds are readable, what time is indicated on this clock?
**7:01**
